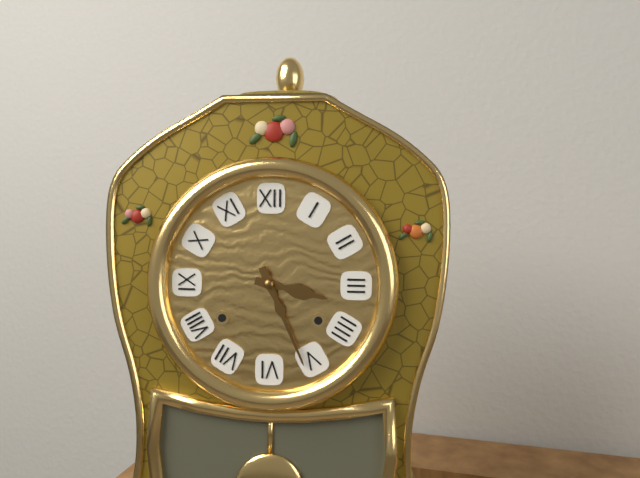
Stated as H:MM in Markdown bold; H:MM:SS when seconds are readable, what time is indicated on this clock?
**3:26**
